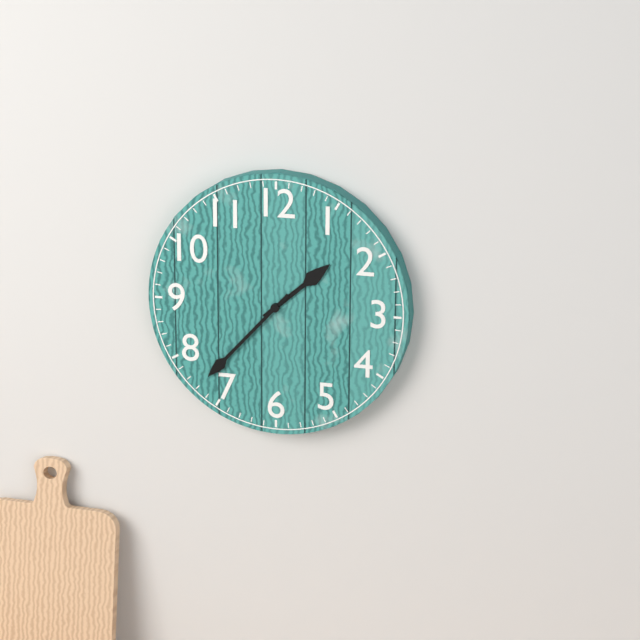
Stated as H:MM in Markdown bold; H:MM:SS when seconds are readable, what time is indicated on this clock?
**1:37**
